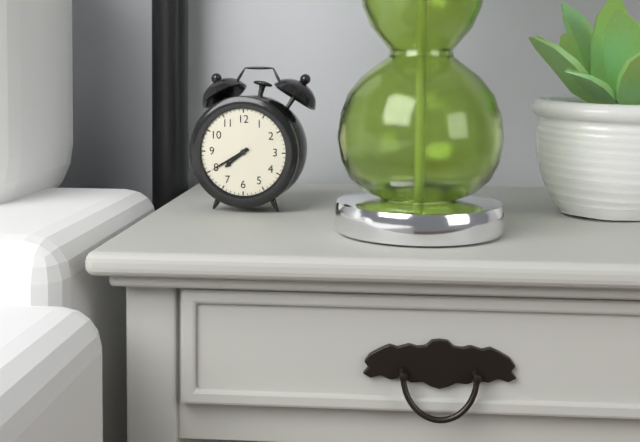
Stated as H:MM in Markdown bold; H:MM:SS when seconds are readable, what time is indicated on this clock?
**7:40**
